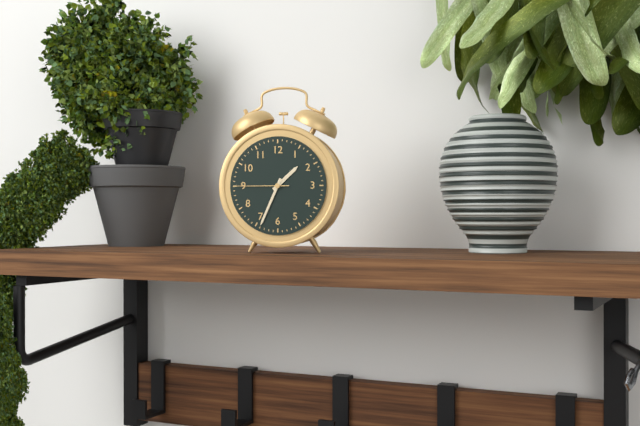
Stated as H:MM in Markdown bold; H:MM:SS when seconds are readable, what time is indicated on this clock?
**1:34:45**
